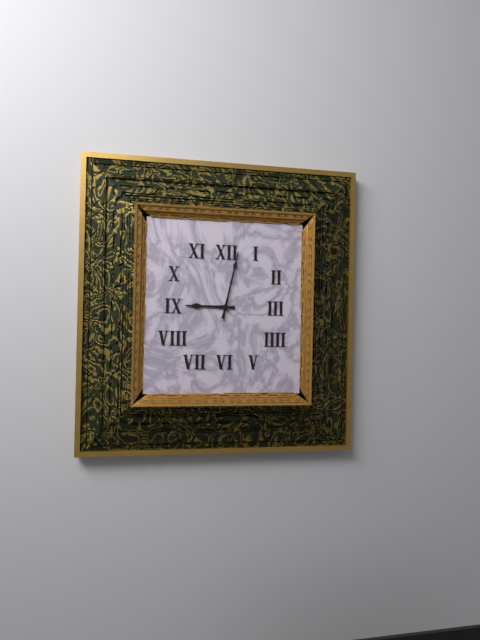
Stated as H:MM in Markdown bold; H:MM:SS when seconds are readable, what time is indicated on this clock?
**9:02**
